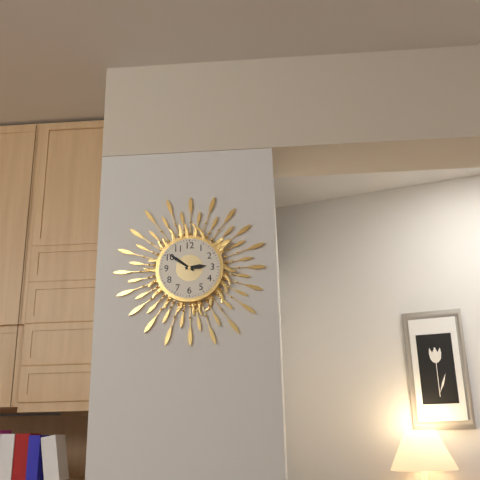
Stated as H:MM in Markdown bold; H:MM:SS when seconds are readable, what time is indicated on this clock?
**2:51**
